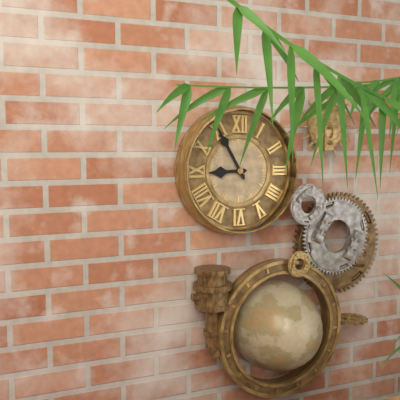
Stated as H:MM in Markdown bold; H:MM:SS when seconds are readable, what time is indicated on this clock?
**8:55**
